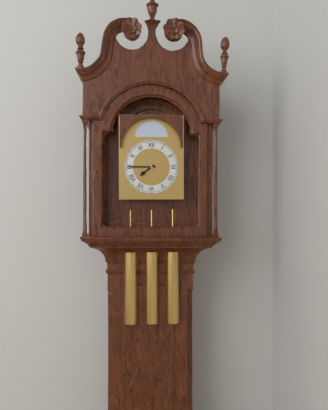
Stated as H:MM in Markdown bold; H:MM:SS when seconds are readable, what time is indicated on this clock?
**7:45**
